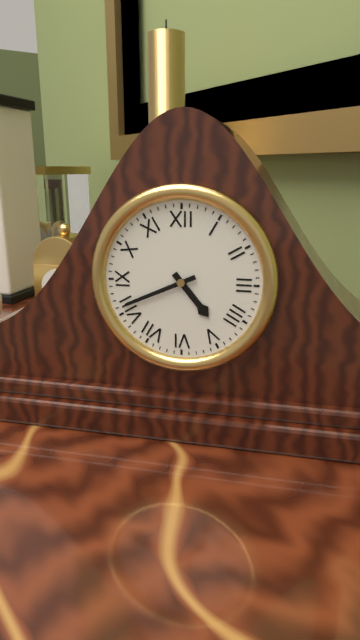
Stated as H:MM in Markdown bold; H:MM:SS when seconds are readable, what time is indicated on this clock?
**4:41**
